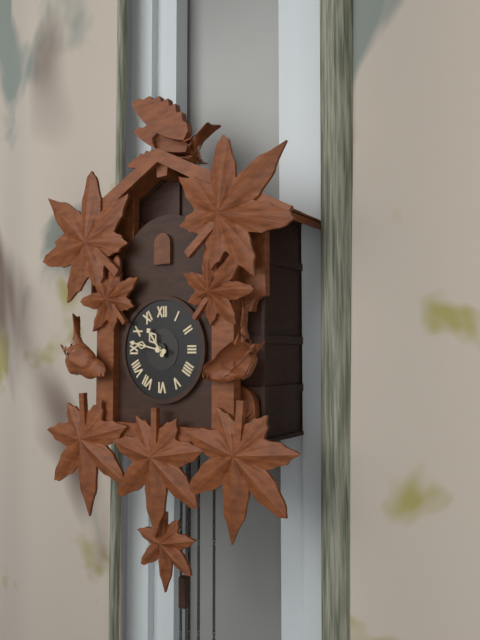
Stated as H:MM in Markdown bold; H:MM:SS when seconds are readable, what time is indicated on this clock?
**10:47**
